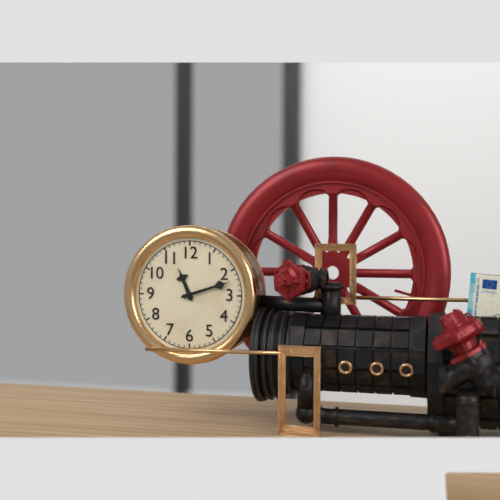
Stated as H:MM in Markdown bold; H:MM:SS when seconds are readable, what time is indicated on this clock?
**11:12**
